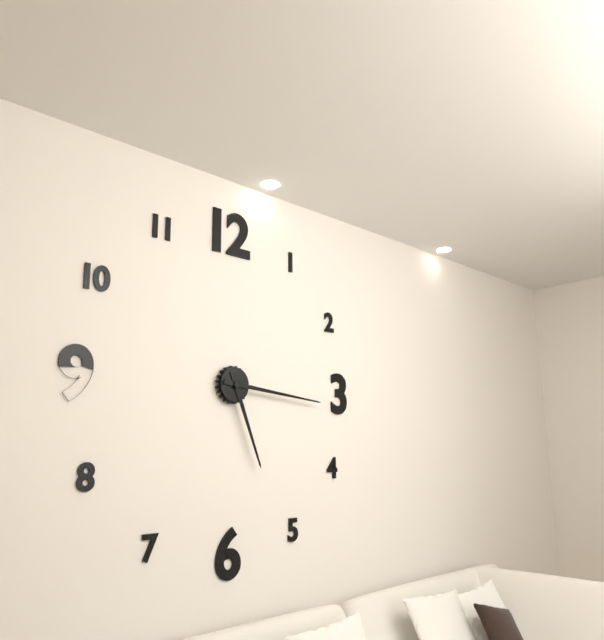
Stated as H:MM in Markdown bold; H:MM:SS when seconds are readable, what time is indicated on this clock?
**5:16**
